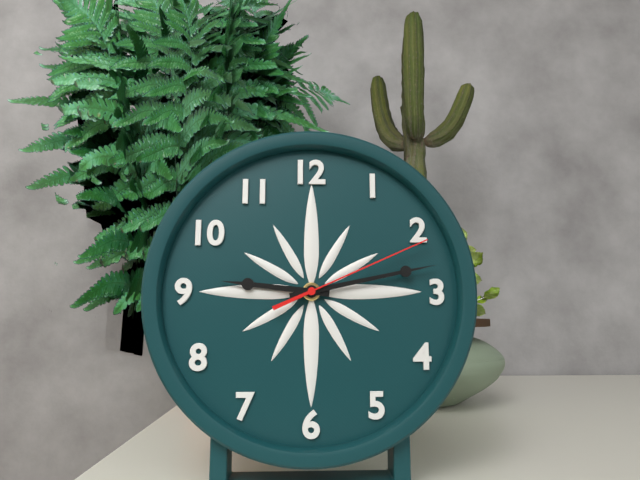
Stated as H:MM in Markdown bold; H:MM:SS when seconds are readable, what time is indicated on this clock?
**9:13:11**
